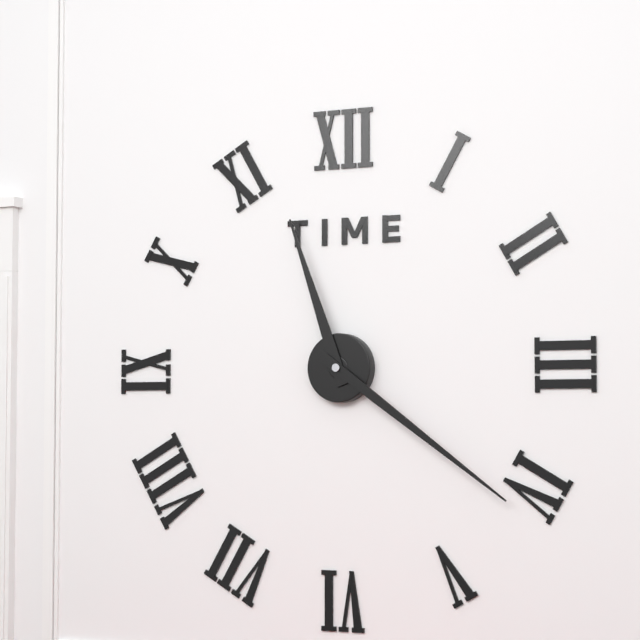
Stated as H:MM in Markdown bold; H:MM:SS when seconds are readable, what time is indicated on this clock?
**11:21**
